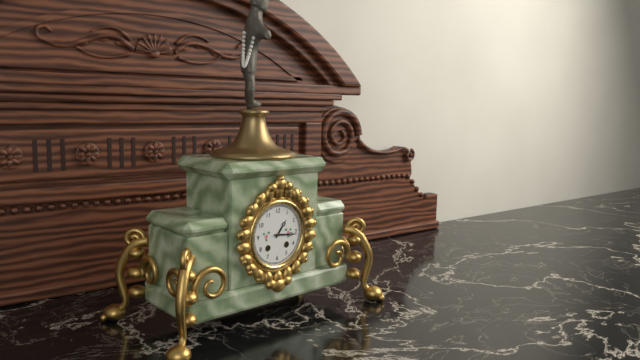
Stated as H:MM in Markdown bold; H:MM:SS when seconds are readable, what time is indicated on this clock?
**1:16**
